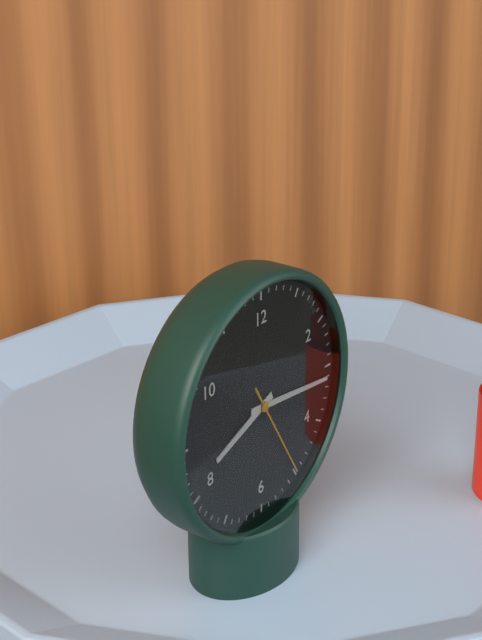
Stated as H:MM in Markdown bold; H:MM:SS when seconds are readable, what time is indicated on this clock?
**8:16:25**
